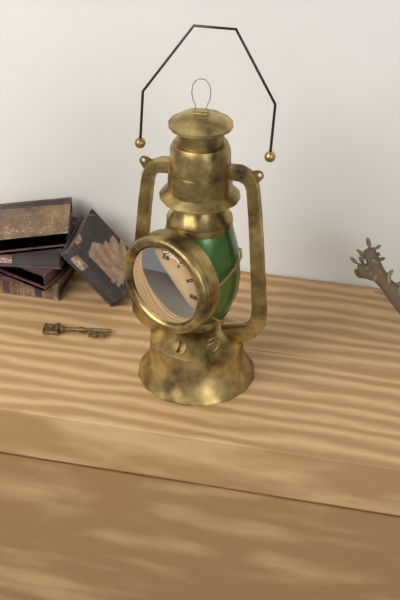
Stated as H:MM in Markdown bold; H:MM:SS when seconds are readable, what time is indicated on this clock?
**3:49**
